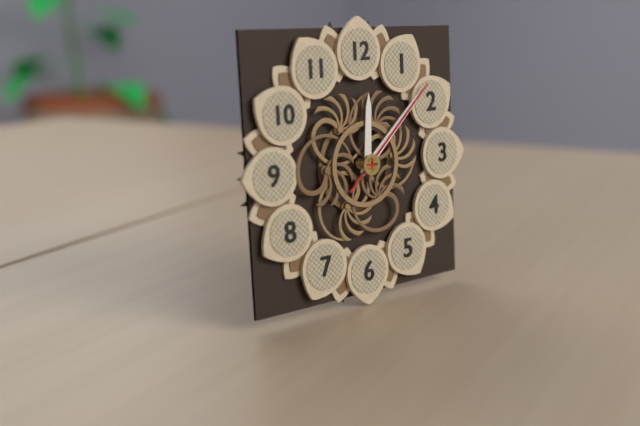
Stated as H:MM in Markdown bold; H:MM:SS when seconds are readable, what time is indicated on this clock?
**12:08:08**
